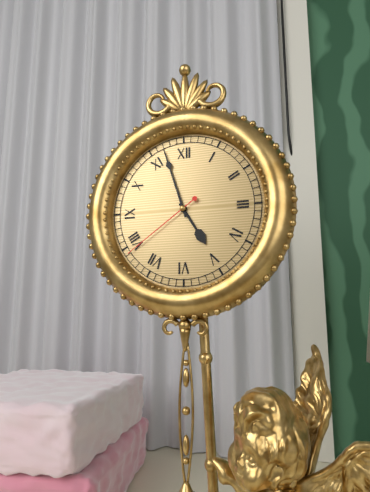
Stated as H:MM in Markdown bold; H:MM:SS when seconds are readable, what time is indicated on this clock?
**4:57:39**
